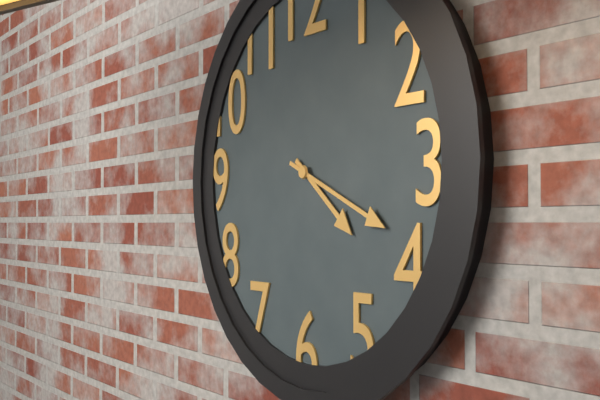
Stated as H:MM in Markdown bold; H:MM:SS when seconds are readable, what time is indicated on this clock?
**4:19**
